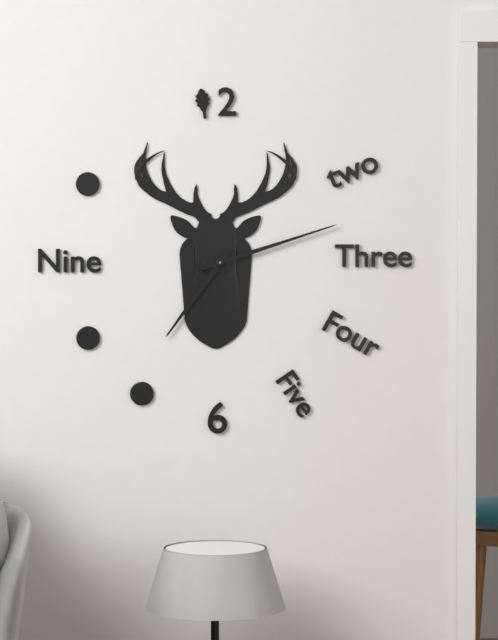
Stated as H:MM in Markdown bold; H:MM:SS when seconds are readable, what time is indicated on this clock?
**7:12**
